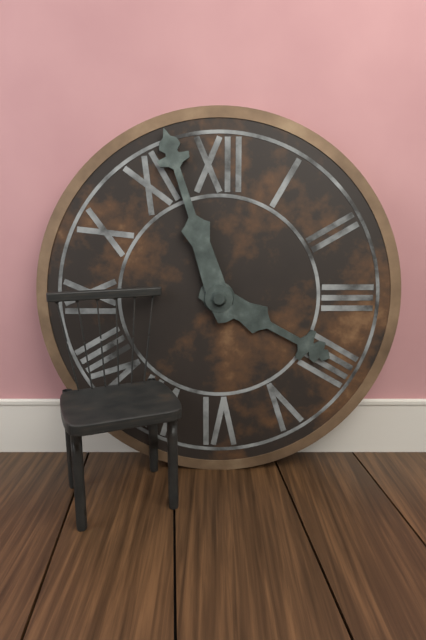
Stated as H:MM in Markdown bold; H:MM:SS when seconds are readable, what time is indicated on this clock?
**3:57**
